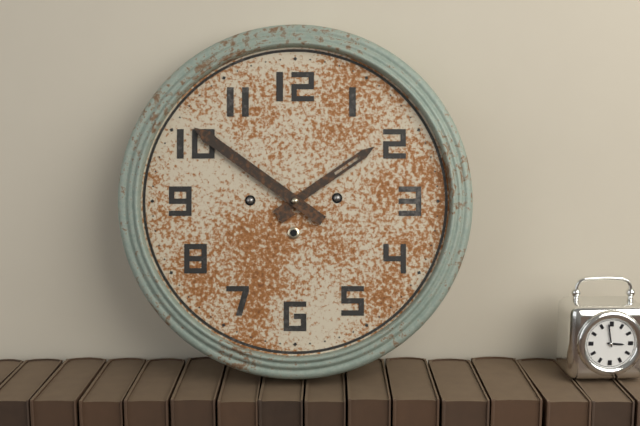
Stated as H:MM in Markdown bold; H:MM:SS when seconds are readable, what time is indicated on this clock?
**1:51**
